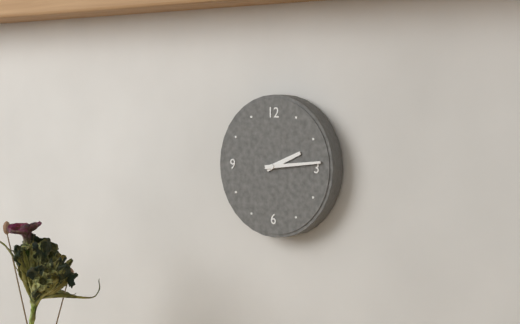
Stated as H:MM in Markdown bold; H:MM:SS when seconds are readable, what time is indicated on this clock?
**2:14**
